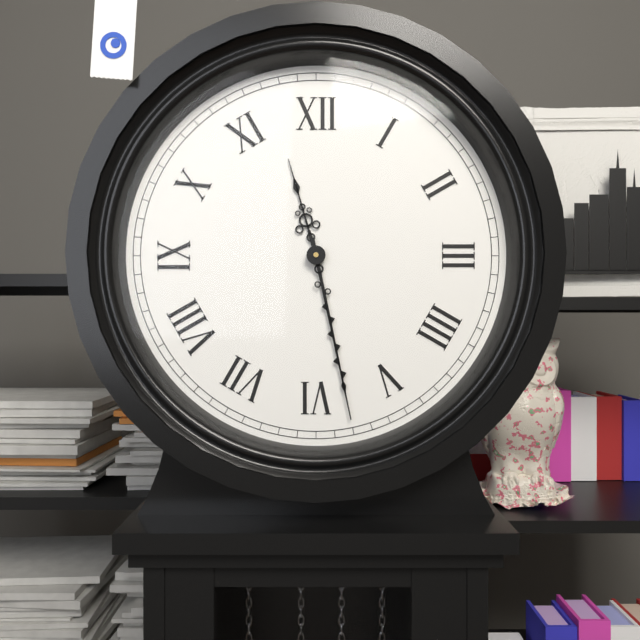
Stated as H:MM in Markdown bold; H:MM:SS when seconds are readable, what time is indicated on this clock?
**11:28**
